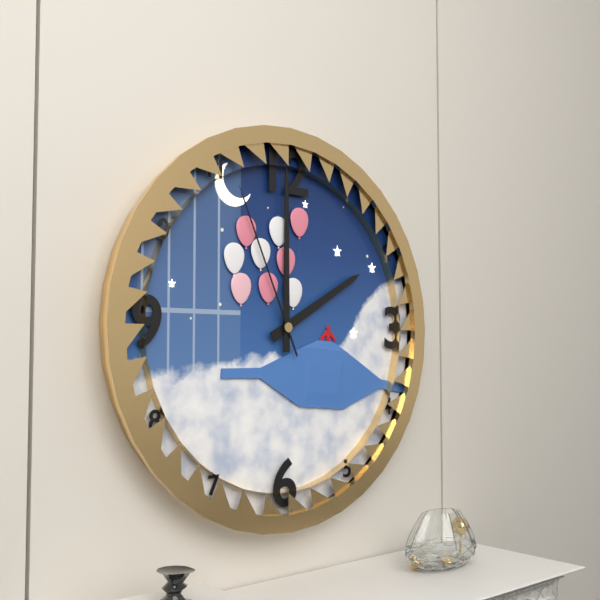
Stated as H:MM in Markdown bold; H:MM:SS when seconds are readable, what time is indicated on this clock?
**2:00:56**
